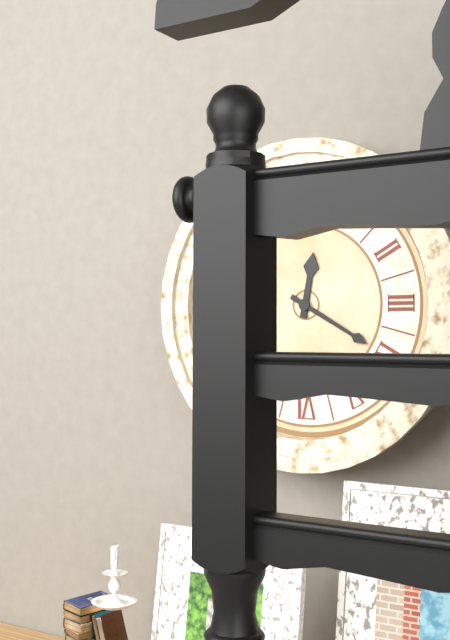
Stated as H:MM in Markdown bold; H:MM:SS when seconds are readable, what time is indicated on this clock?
**12:20**
